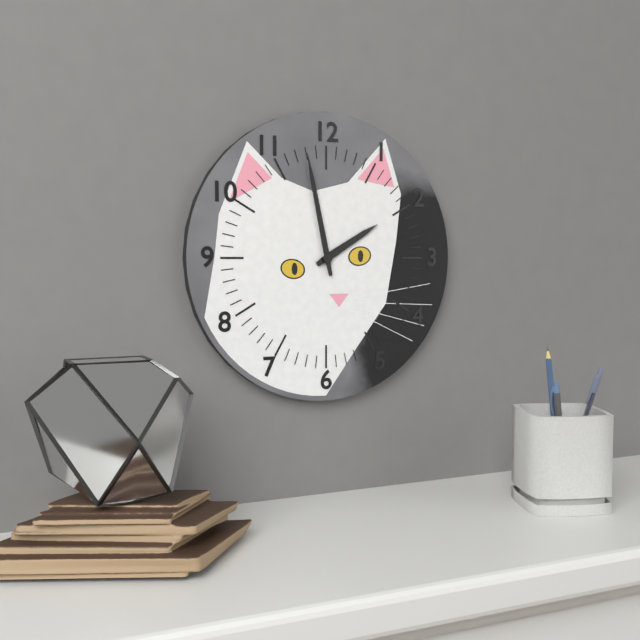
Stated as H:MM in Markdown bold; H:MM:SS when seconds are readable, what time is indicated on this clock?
**1:58**
